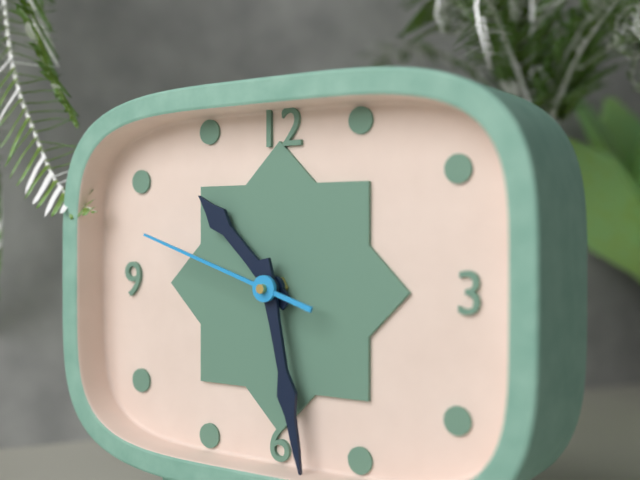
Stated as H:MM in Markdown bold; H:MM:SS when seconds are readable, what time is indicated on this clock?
**10:28:48**
